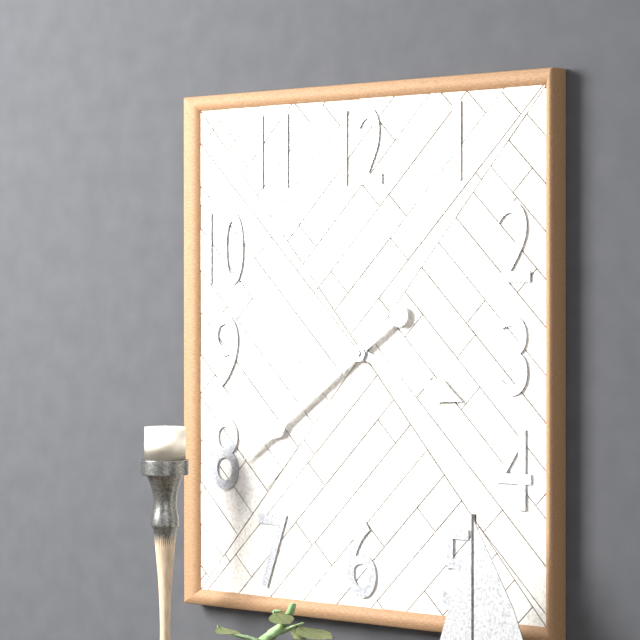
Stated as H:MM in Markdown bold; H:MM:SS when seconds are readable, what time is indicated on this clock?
**3:39**
